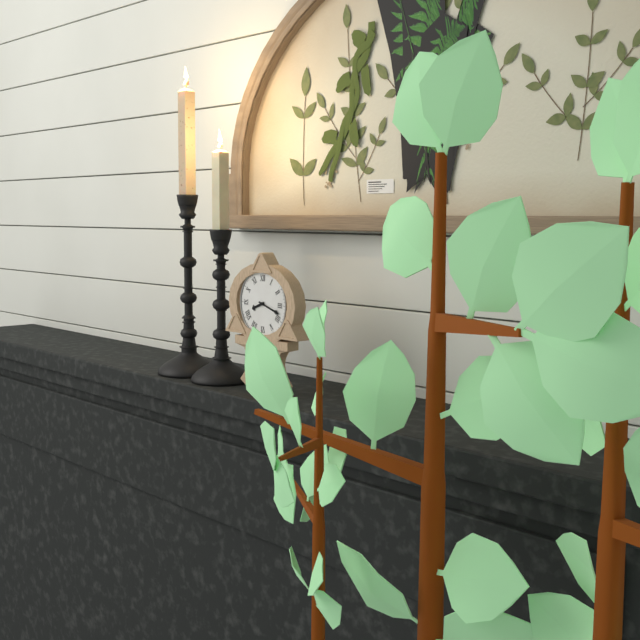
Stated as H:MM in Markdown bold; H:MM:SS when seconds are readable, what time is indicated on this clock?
**8:18**
